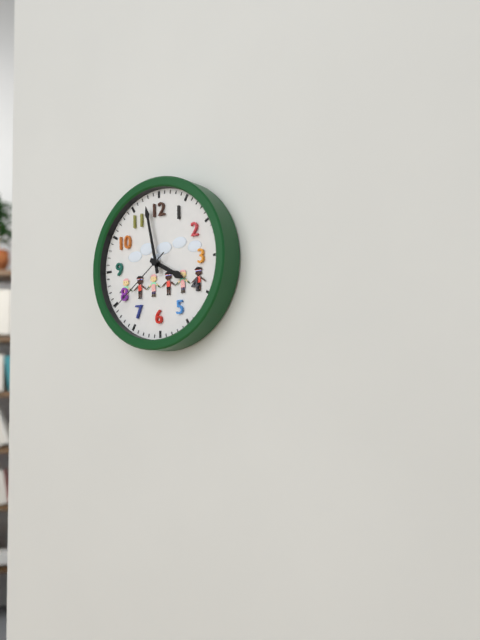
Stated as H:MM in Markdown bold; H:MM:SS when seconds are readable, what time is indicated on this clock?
**3:58:39**
